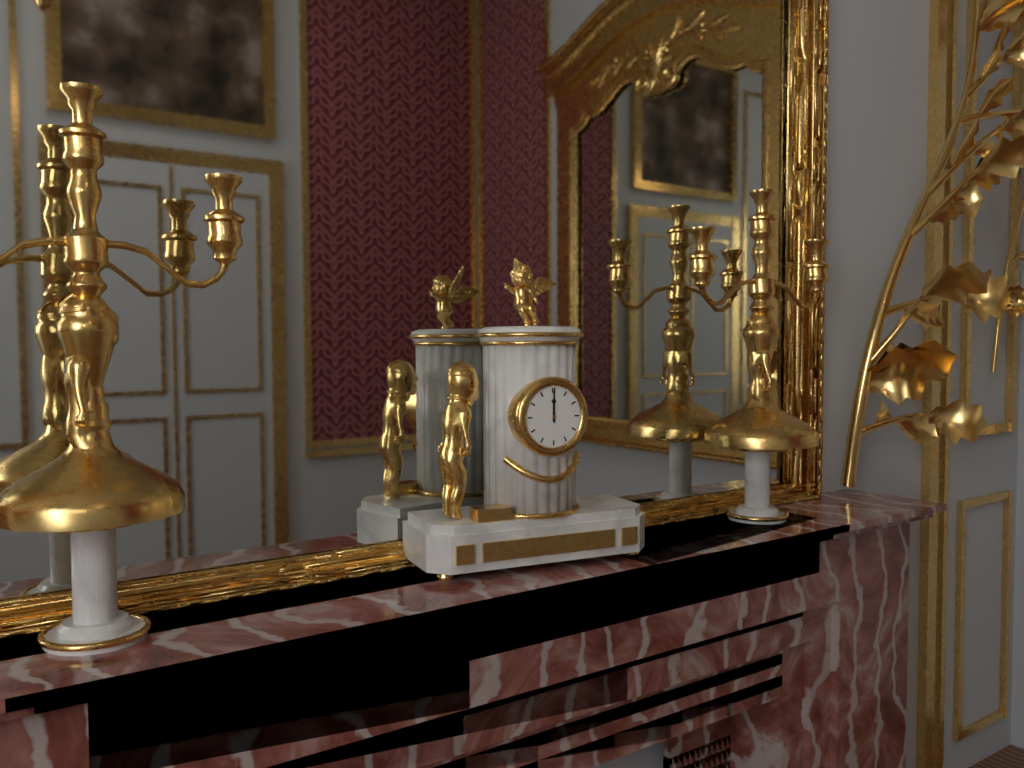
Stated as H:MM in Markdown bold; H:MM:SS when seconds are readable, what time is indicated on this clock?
**12:00**
